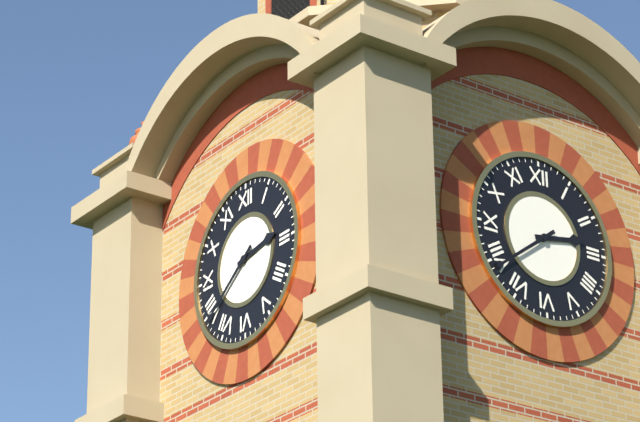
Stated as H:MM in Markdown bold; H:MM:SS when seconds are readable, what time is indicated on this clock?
**2:39**
